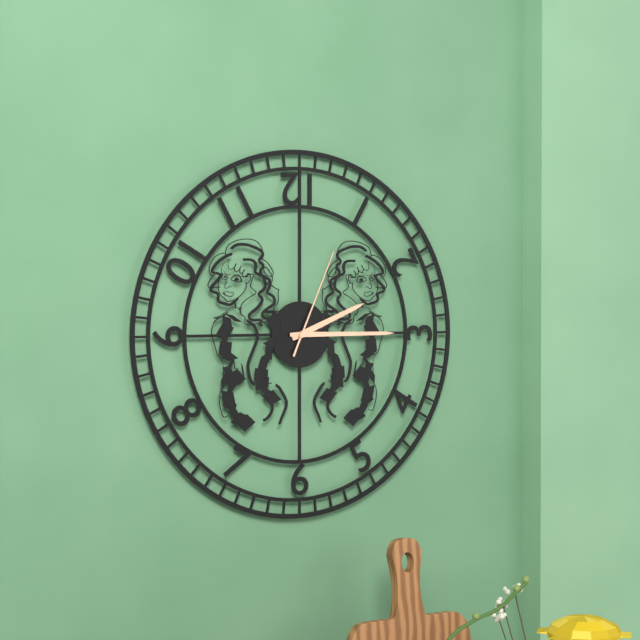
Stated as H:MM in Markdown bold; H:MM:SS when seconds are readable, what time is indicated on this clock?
**2:15:04**
